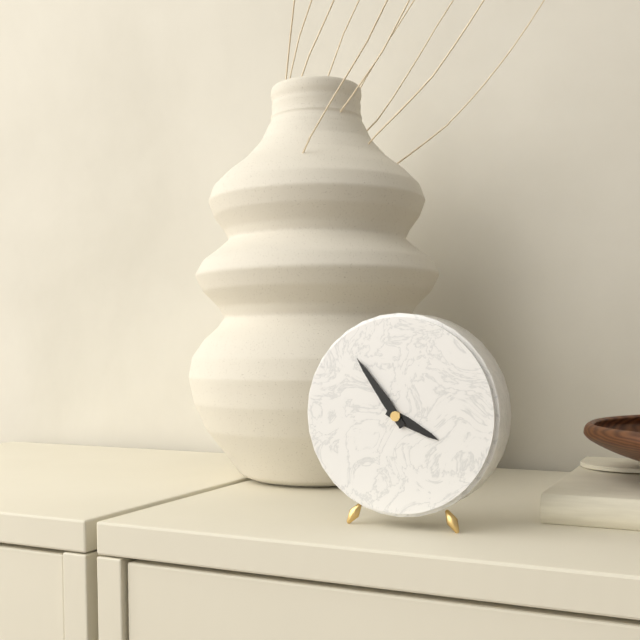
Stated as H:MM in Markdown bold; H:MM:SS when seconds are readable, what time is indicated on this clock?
**3:54**
